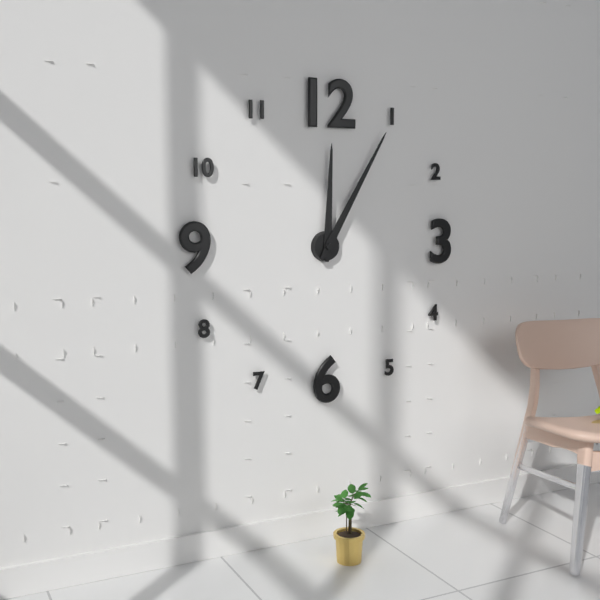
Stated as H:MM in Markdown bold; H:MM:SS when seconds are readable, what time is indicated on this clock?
**12:05**
